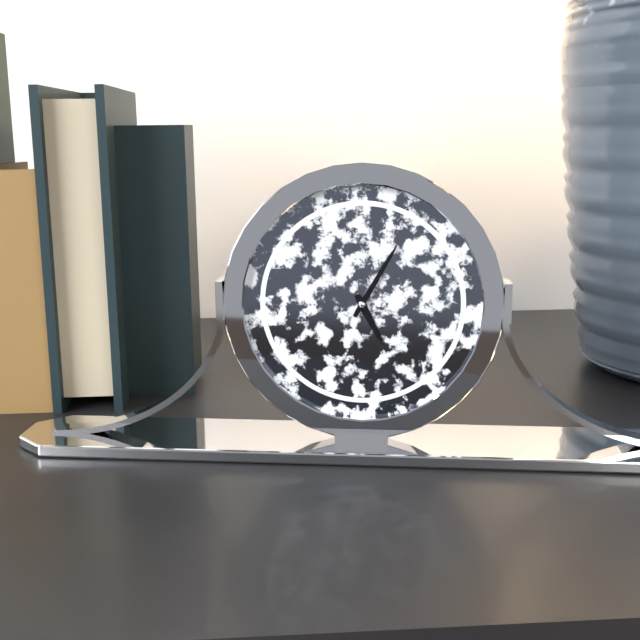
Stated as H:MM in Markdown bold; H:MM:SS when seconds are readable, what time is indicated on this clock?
**5:05**
